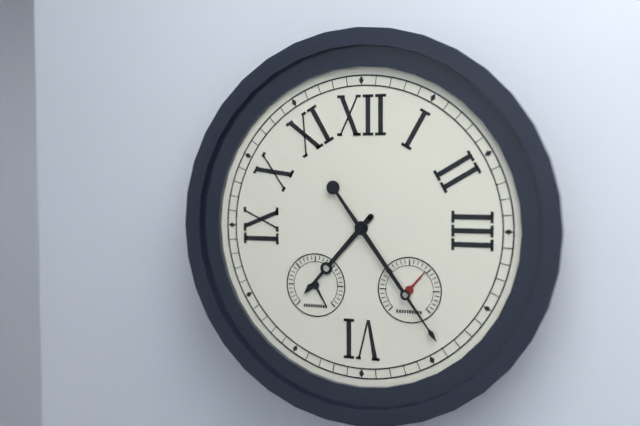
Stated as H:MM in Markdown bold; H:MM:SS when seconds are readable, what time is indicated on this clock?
**7:24**
